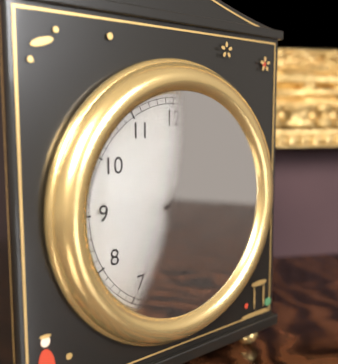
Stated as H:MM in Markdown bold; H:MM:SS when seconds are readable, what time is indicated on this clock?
**2:31**
